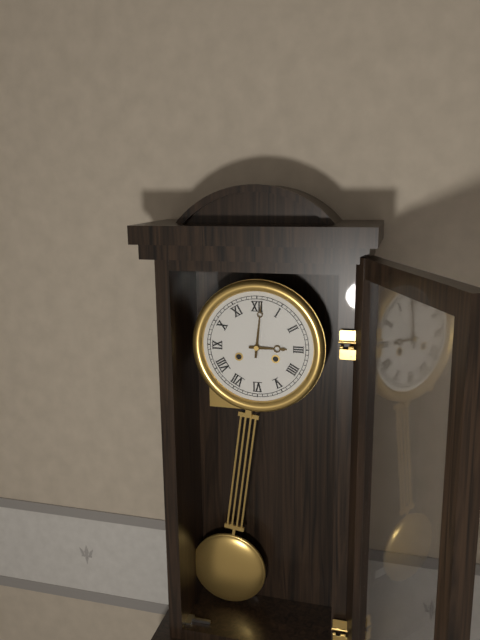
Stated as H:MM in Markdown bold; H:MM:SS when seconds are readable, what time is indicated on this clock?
**3:01**
